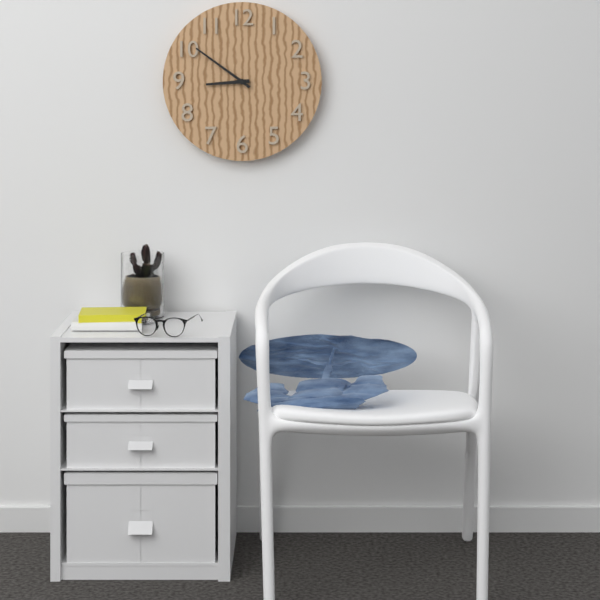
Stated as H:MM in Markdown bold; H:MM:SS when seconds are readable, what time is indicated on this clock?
**8:51**
